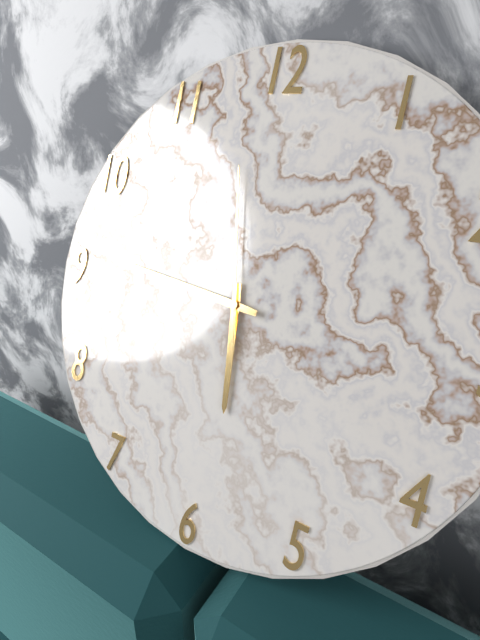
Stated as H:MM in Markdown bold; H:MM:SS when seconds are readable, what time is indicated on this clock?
**5:46:58**
